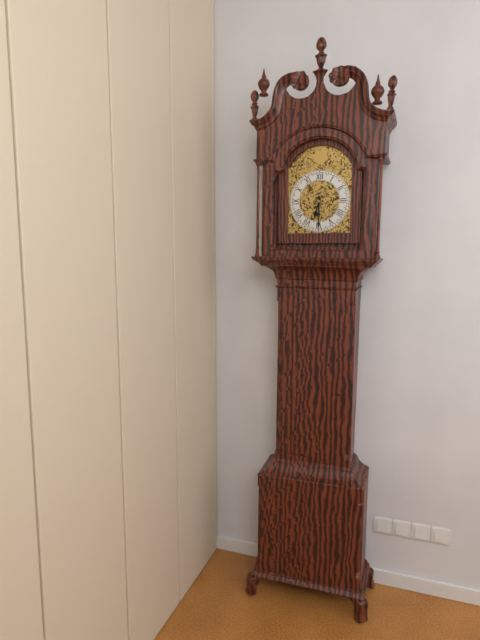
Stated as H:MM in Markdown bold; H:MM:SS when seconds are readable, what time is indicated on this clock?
**6:30**
